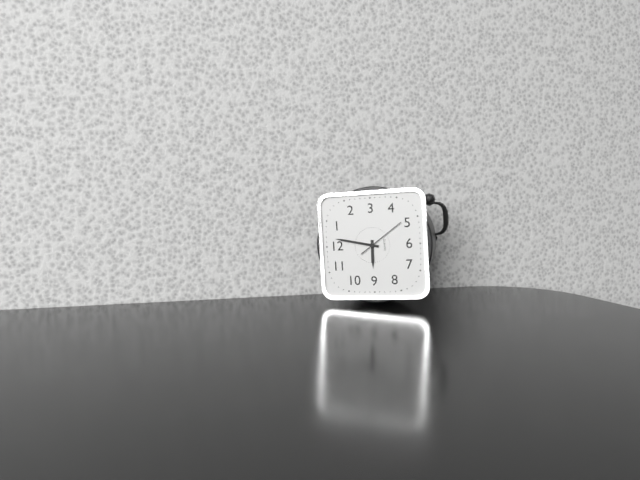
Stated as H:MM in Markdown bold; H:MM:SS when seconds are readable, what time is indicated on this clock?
**9:02**
